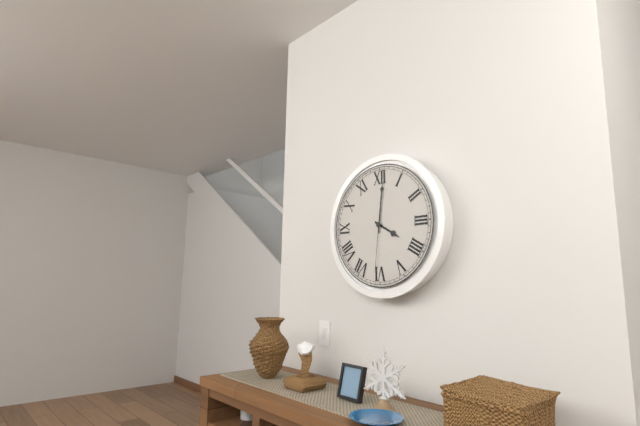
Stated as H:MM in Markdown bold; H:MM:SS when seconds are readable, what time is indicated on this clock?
**4:01:31**
